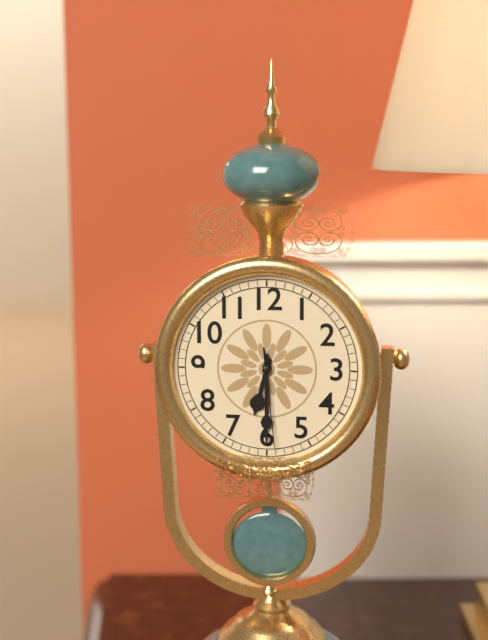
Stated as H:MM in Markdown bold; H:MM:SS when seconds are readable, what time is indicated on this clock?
**6:30:29**
